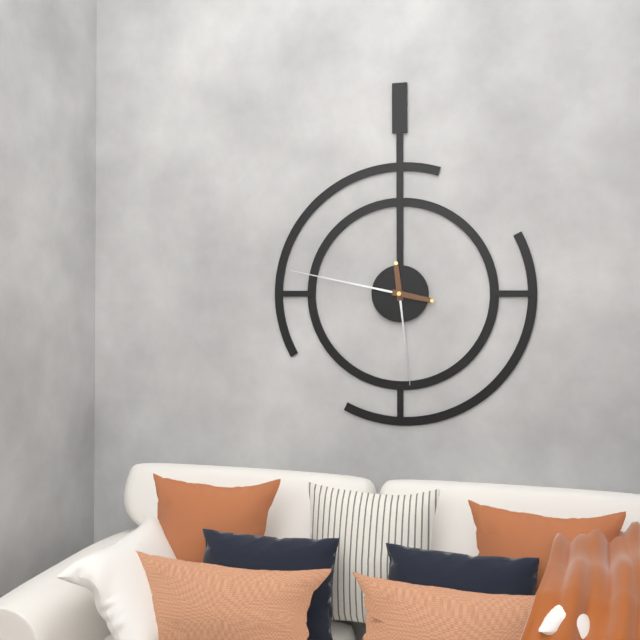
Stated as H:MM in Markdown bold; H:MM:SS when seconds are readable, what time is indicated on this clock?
**5:47**
